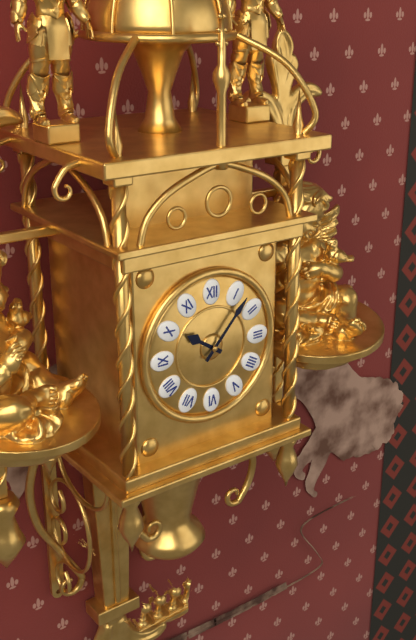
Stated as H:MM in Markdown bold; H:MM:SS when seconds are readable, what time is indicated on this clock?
**10:07**
